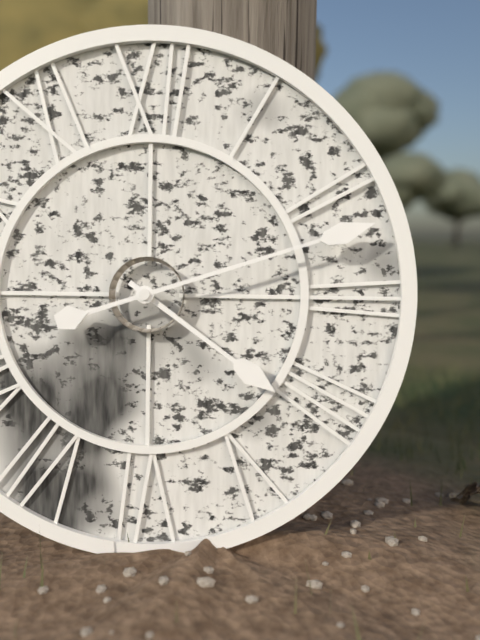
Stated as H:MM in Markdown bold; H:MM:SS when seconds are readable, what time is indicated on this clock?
**4:12**
